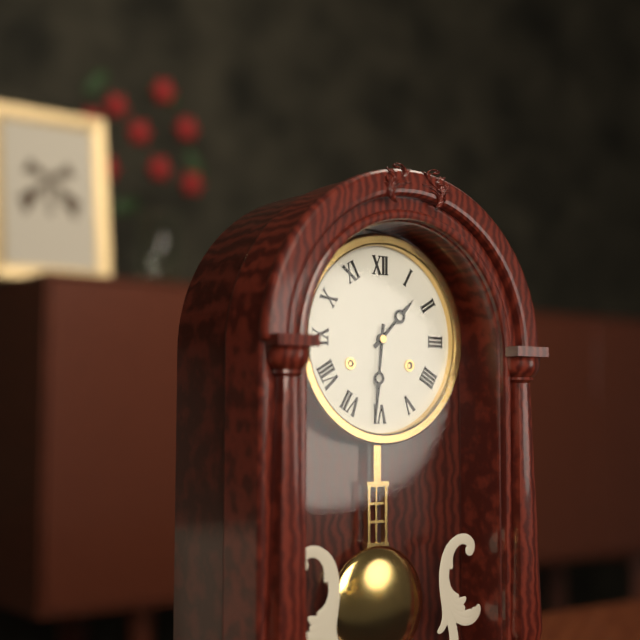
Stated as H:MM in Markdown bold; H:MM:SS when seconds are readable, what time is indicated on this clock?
**1:31**
